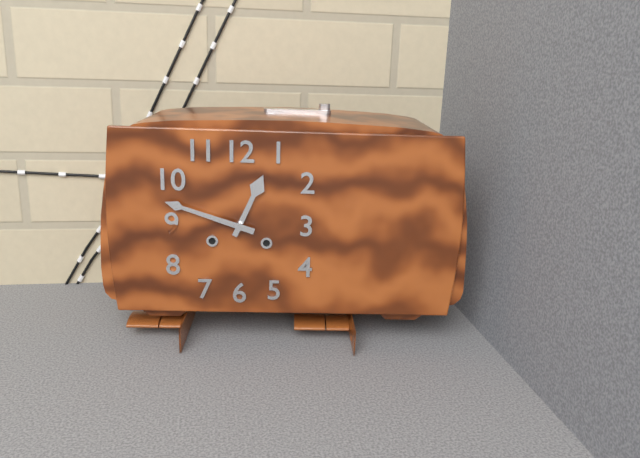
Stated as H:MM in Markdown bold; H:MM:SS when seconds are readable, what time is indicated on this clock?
**12:48**
